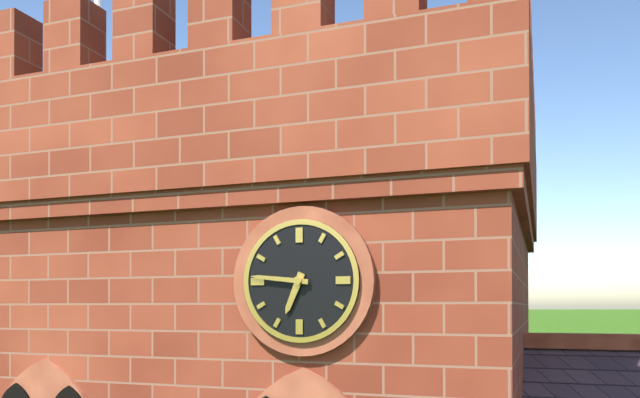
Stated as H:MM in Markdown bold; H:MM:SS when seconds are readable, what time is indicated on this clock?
**6:46**
